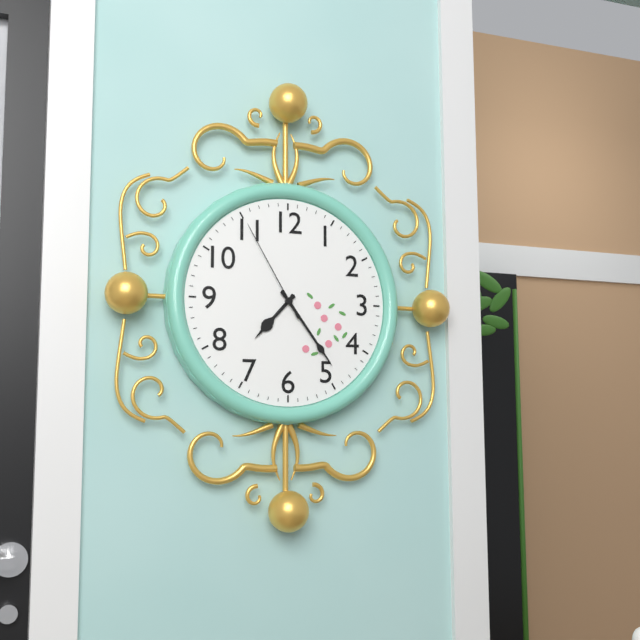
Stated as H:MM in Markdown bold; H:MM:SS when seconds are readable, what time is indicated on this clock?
**7:24:55**
